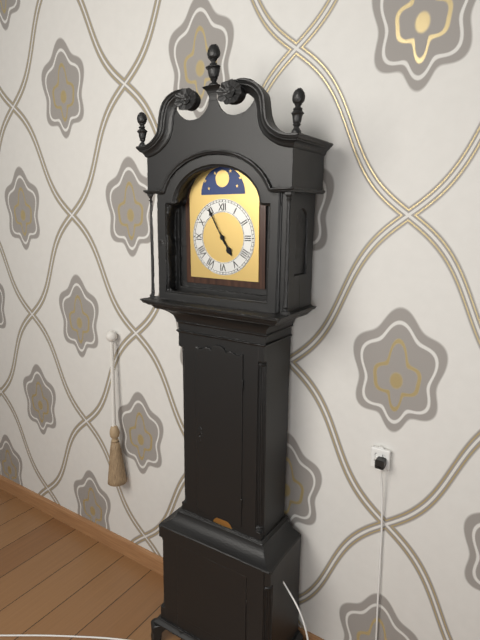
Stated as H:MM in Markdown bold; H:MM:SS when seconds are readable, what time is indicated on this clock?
**4:55**
